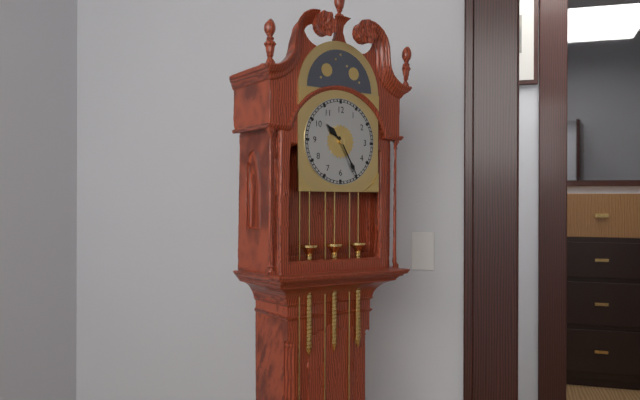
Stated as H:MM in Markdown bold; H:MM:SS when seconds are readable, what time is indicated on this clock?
**10:25**
